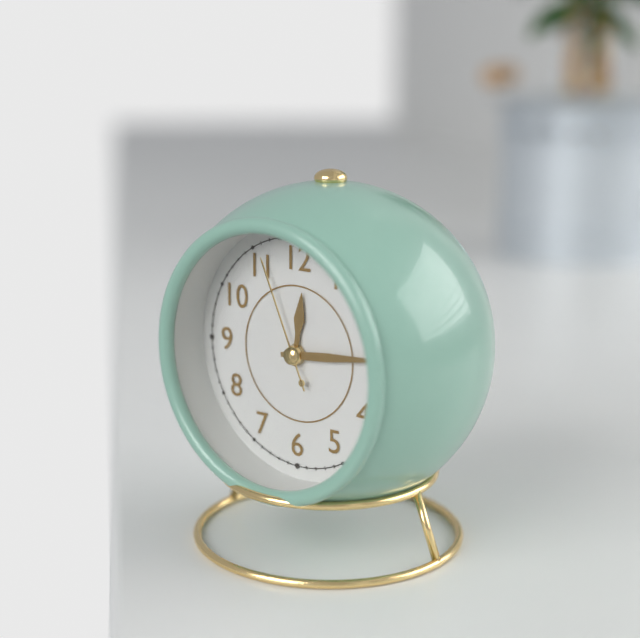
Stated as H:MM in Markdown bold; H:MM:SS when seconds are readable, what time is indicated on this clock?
**12:14:56**
